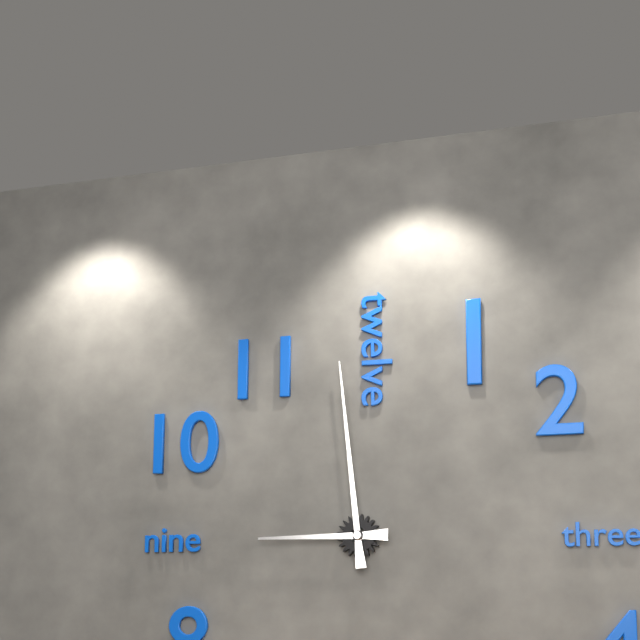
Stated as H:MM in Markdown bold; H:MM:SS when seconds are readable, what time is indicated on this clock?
**8:59**
